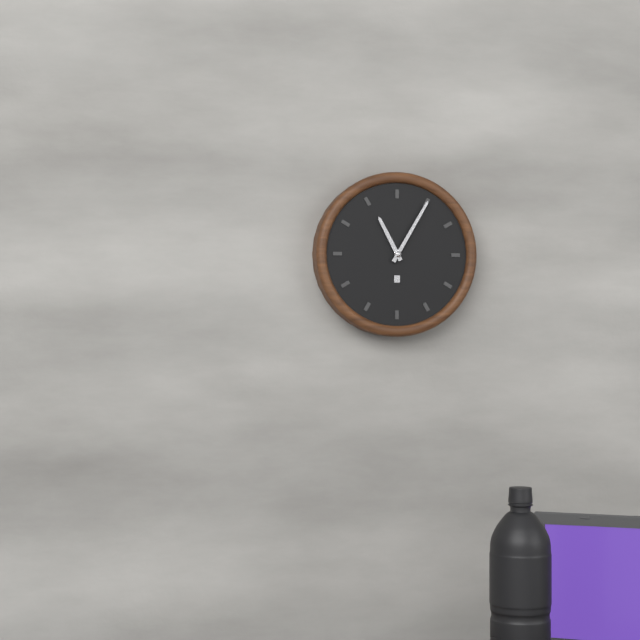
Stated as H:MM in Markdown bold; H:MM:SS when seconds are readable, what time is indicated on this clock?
**11:05**
